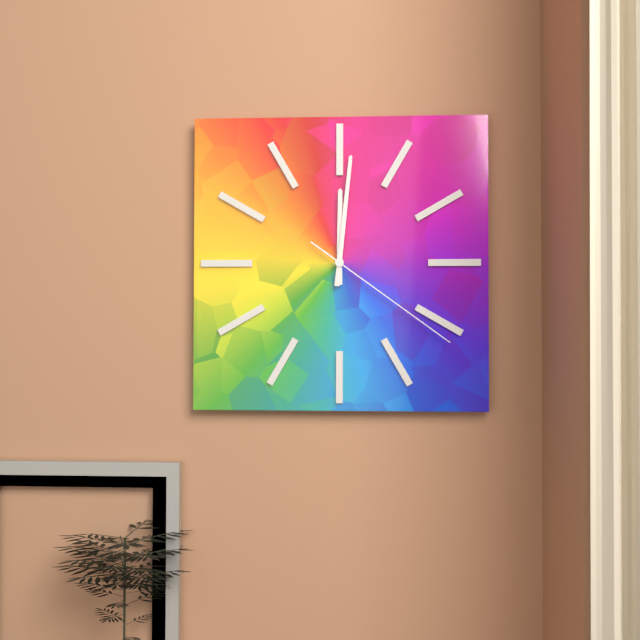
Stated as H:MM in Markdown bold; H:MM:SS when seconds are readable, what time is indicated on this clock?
**12:01:21**
